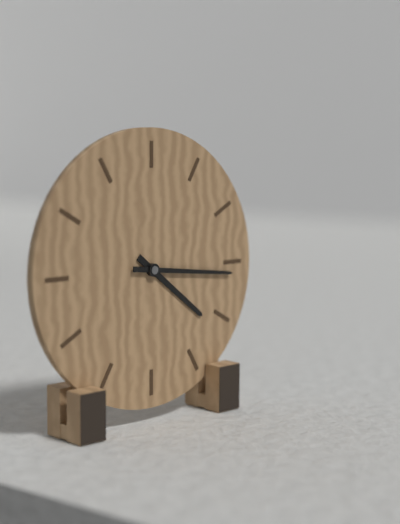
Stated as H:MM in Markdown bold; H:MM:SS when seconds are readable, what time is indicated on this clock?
**4:16**
